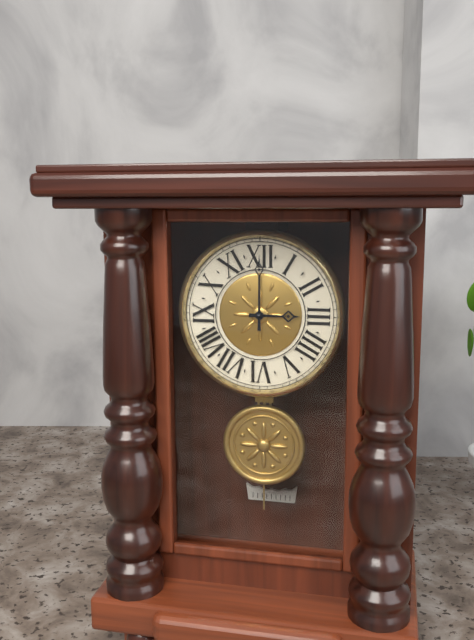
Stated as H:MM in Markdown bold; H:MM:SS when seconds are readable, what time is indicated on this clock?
**3:00**
